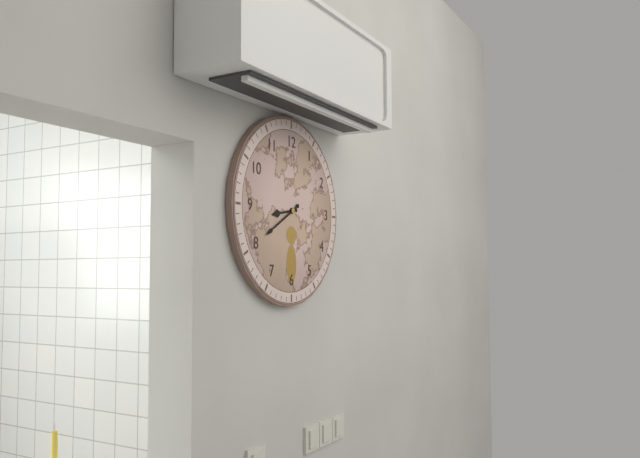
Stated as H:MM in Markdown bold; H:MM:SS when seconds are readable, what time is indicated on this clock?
**8:40**
